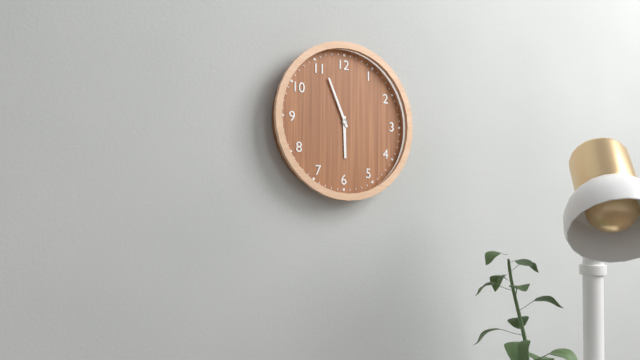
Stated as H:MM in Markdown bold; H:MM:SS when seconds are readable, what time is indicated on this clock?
**5:56**
